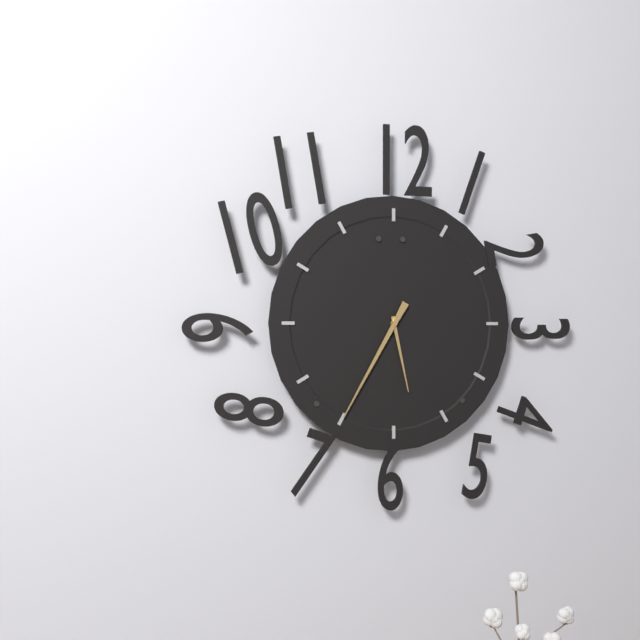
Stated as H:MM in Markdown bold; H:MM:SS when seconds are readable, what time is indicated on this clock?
**5:35**
